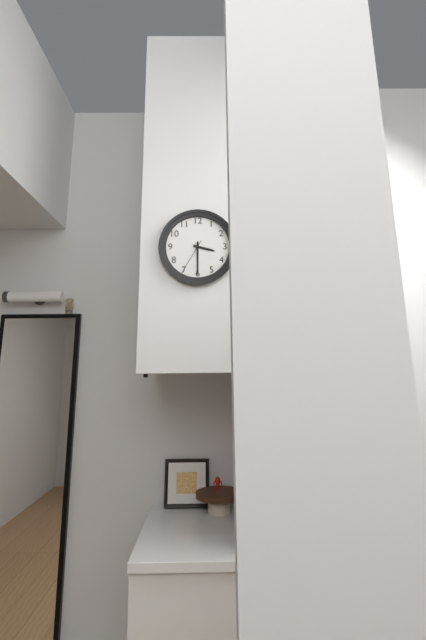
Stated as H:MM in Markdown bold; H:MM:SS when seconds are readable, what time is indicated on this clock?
**3:30**
